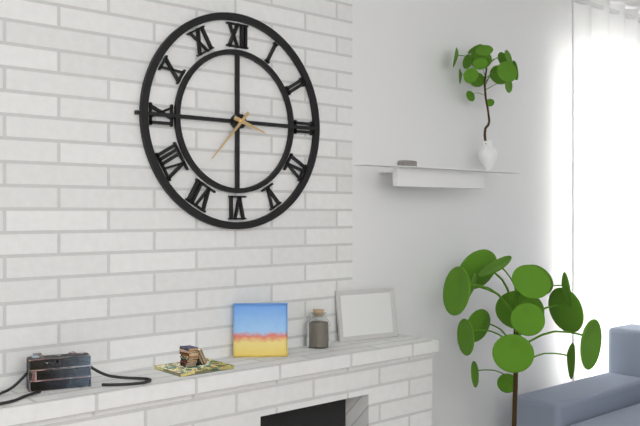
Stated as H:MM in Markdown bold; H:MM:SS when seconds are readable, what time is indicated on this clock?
**3:37**
